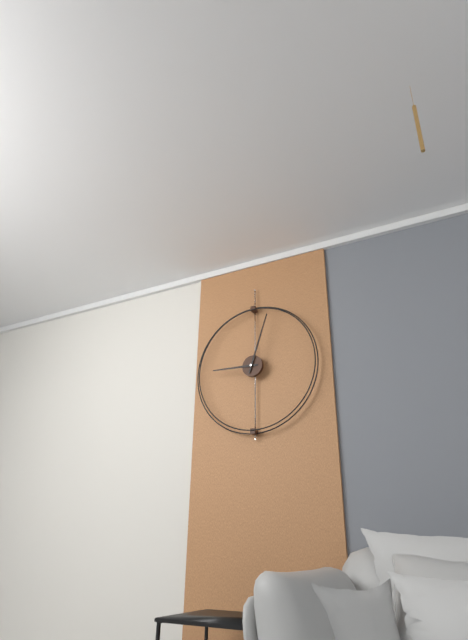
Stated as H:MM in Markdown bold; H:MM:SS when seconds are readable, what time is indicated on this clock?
**9:03**
